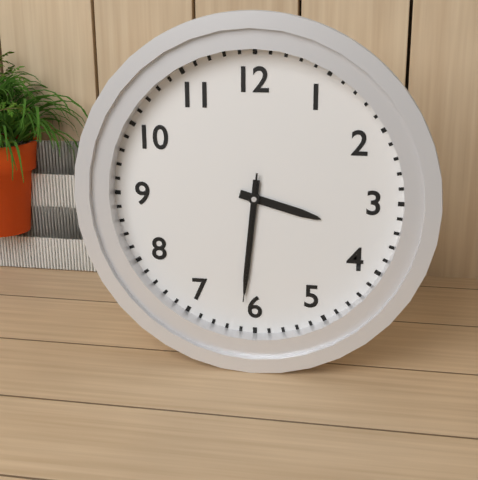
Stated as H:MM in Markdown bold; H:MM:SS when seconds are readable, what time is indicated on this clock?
**3:31:31**
